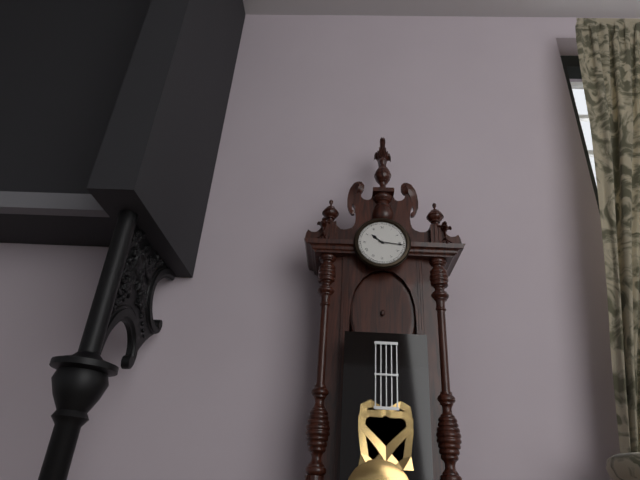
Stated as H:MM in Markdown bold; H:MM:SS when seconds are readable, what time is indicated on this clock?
**10:16**
